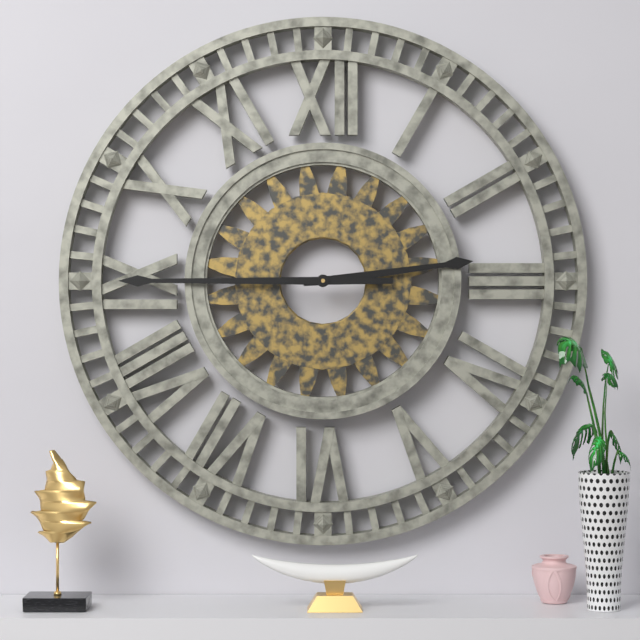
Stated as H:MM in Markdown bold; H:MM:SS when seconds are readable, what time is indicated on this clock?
**2:45**
